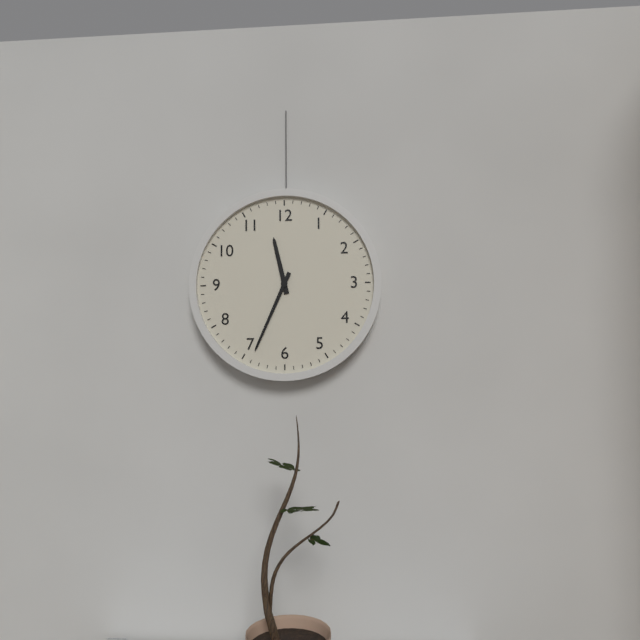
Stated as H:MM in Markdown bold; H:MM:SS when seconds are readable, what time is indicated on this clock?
**11:34**
